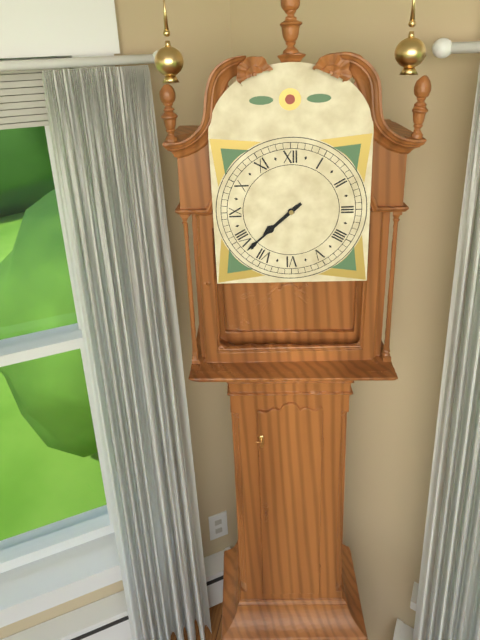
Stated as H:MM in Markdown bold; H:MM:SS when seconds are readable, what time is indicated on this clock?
**7:38**
